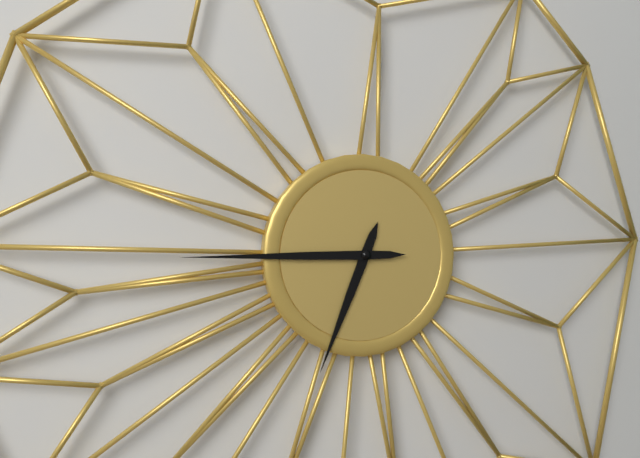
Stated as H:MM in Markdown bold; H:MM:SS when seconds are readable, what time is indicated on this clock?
**6:45**
